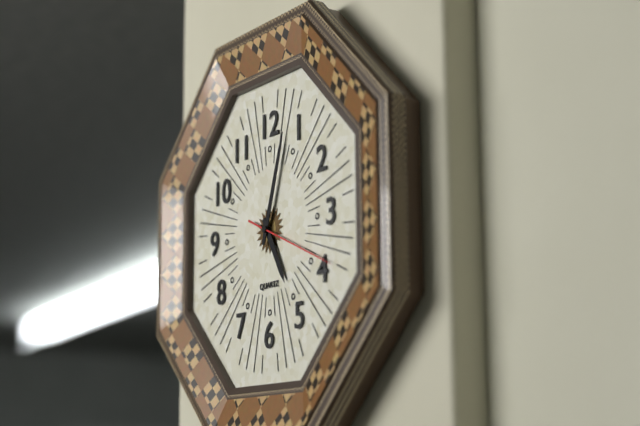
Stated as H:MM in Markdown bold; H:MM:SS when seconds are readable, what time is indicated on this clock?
**5:03:19**
